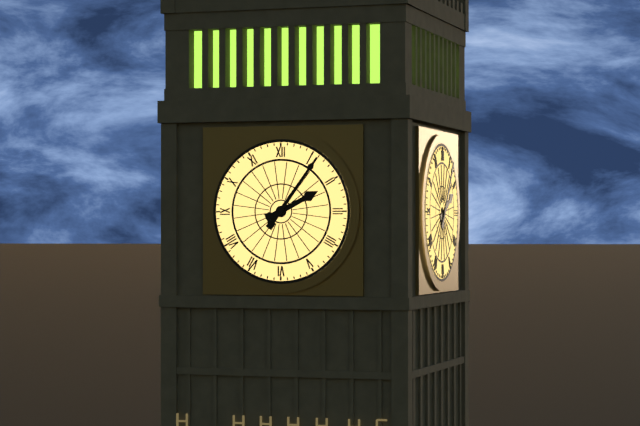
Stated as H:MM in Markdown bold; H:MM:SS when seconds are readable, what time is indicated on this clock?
**2:06**
